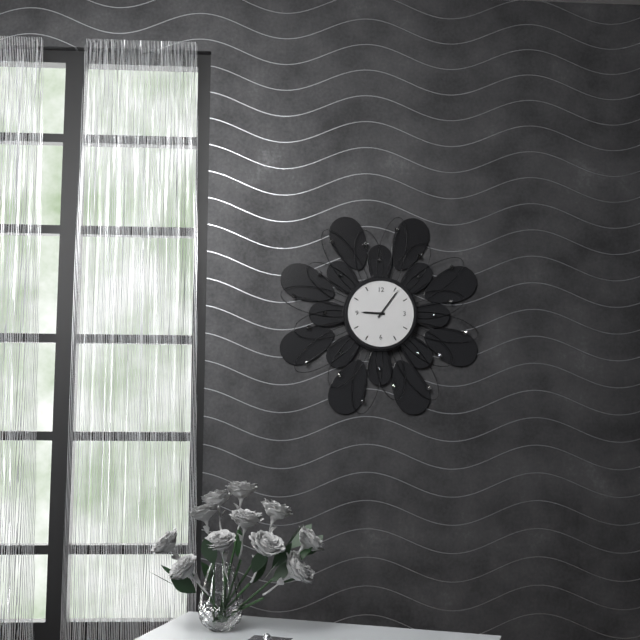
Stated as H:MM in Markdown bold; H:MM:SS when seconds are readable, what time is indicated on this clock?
**9:06**
